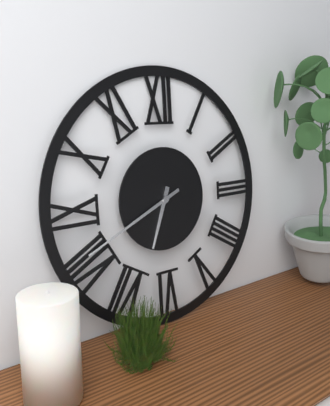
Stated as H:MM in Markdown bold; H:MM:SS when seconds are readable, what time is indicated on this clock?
**6:41**
